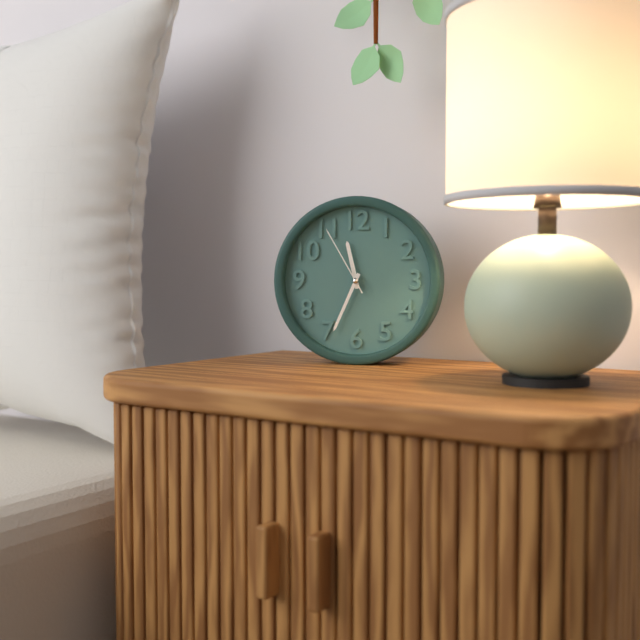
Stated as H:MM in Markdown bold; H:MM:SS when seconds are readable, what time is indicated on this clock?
**11:34:55**
